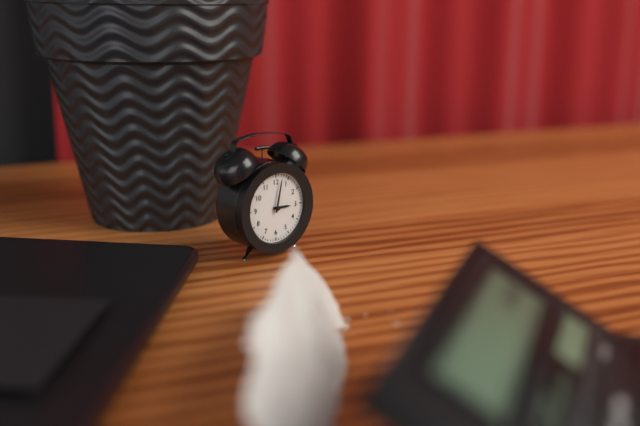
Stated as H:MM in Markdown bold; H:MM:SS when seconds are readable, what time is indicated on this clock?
**3:02**
